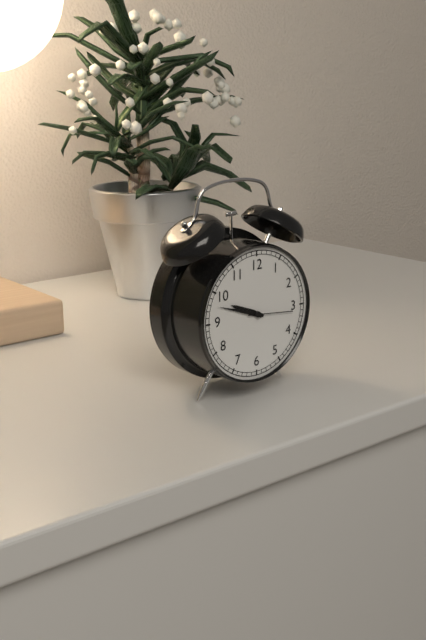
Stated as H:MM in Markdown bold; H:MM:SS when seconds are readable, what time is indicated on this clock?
**9:48**
